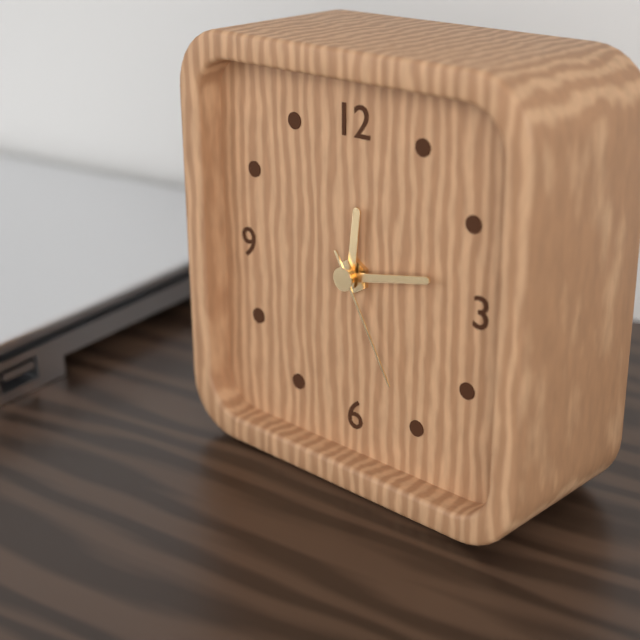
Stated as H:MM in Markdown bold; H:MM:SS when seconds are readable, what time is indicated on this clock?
**12:13:25**
